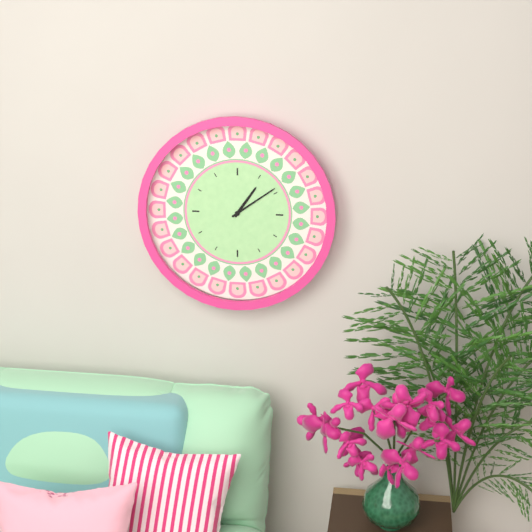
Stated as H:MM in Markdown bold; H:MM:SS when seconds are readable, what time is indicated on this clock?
**1:09**
